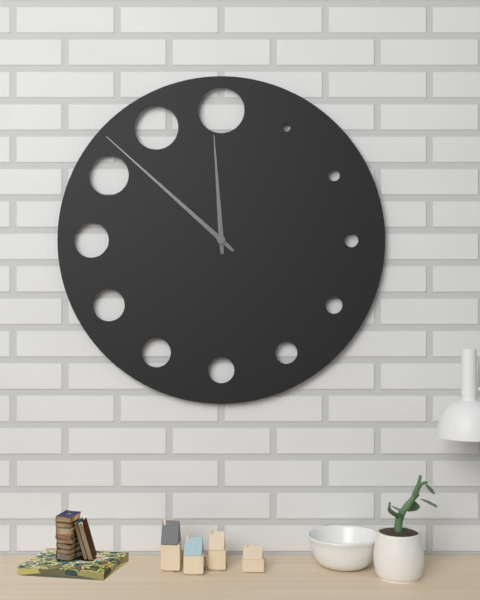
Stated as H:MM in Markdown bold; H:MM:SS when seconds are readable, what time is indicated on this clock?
**11:52**
